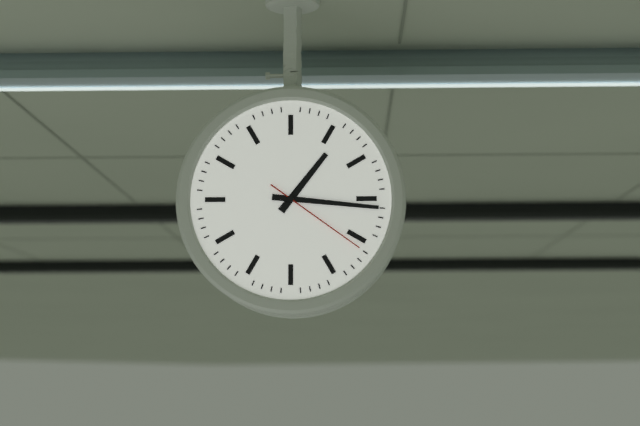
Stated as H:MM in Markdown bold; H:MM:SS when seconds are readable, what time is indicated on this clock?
**1:16:21**
